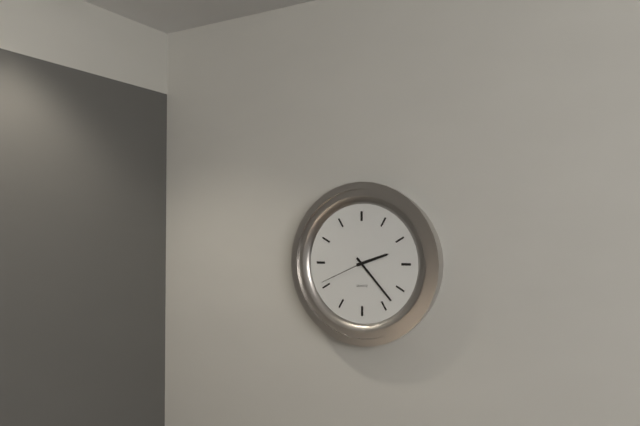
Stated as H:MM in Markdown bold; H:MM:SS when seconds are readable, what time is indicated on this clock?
**2:23:41**
